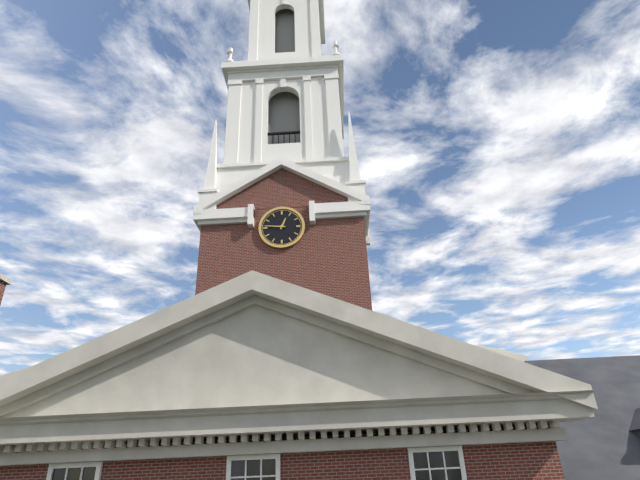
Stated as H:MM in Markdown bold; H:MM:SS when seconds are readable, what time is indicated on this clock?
**12:46**
